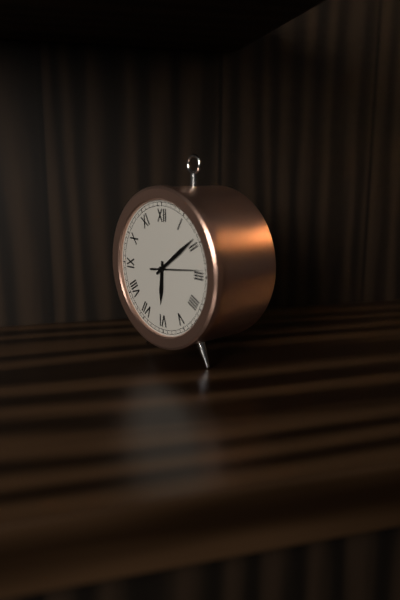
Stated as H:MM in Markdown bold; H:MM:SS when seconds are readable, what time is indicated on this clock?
**6:09**
